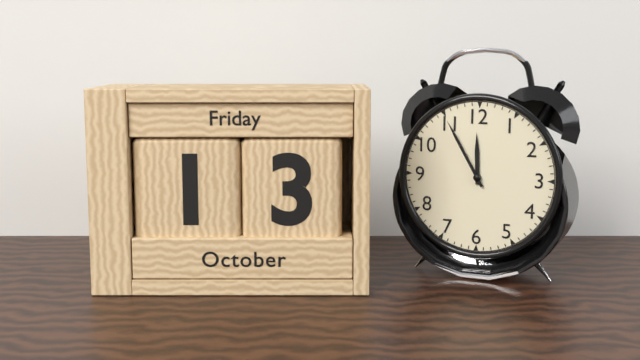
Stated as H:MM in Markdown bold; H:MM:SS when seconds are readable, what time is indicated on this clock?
**11:55**
